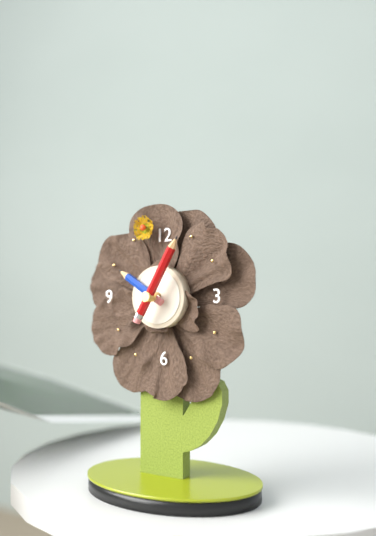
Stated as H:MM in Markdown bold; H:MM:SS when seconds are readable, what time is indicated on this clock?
**10:05**
